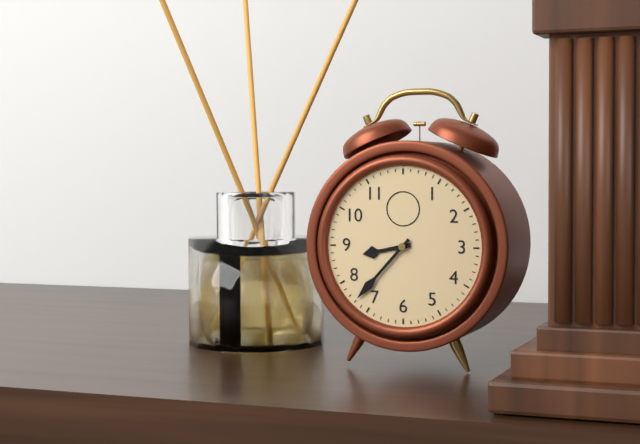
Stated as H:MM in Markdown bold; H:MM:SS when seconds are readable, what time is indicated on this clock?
**8:37**
